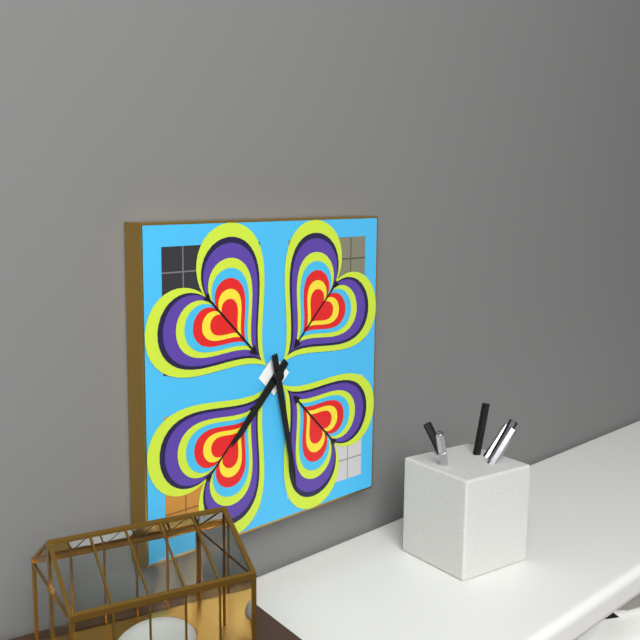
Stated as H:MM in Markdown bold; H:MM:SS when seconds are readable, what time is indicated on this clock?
**7:28**
